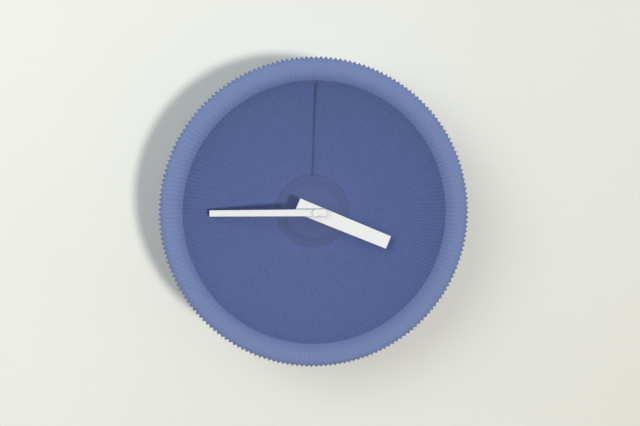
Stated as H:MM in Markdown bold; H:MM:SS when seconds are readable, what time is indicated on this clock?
**3:45**
